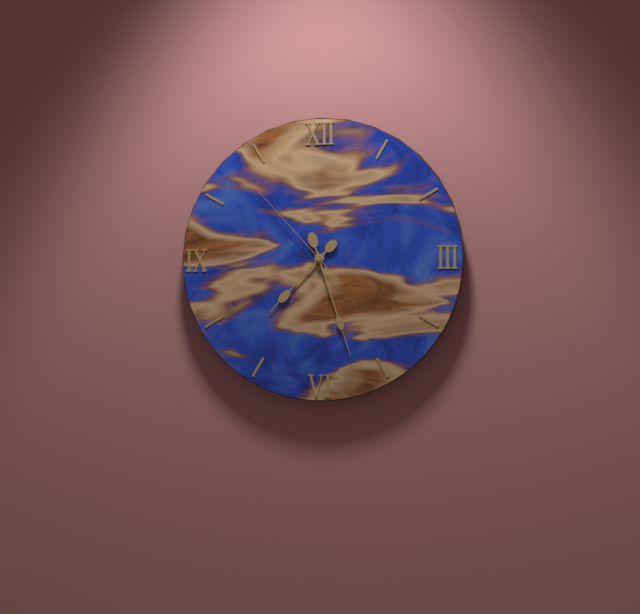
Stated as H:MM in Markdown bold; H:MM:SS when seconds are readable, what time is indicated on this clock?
**7:27:53**
